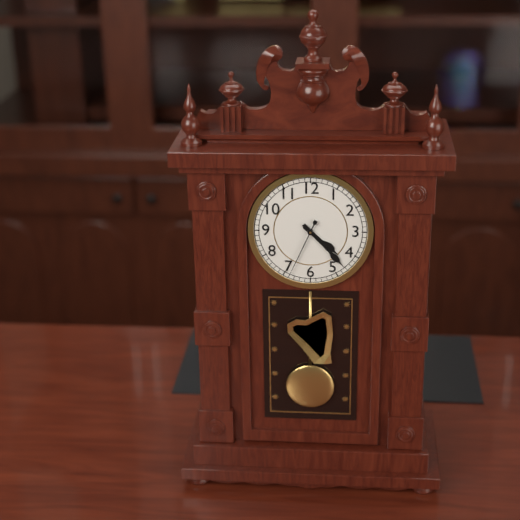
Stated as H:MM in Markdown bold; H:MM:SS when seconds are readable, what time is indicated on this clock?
**4:23:34**
